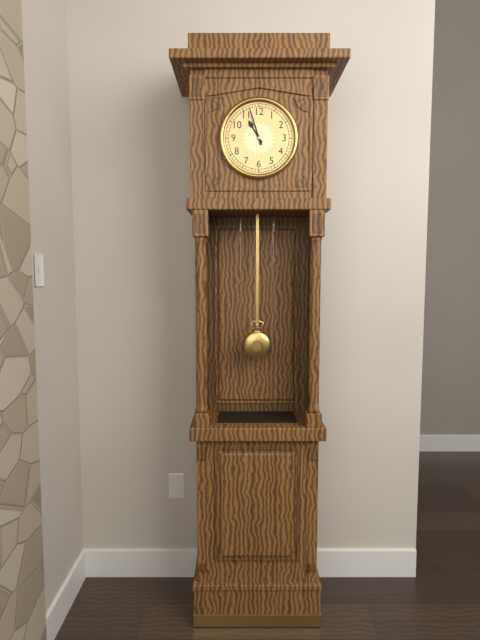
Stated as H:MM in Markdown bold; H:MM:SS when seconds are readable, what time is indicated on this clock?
**10:57**
